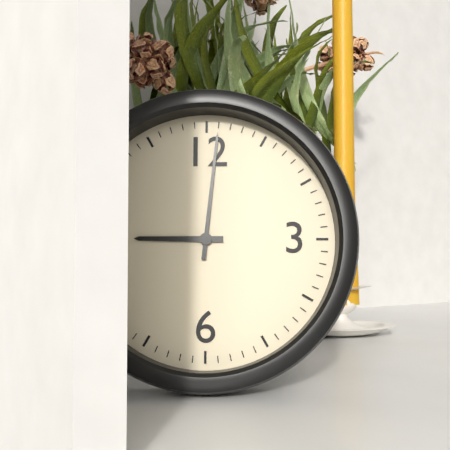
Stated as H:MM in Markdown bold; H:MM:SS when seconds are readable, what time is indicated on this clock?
**9:01**
